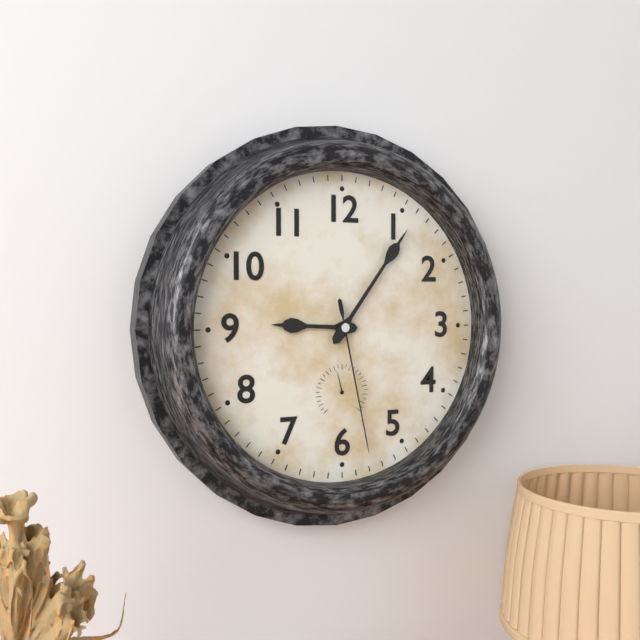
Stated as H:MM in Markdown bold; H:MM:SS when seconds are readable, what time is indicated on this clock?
**9:06:28**
